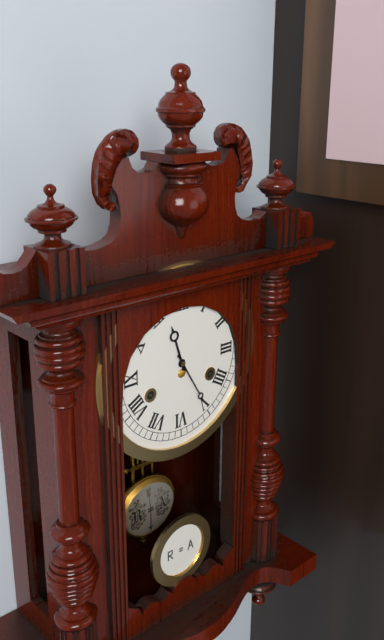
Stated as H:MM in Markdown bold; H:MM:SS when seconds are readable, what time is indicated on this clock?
**11:25**
